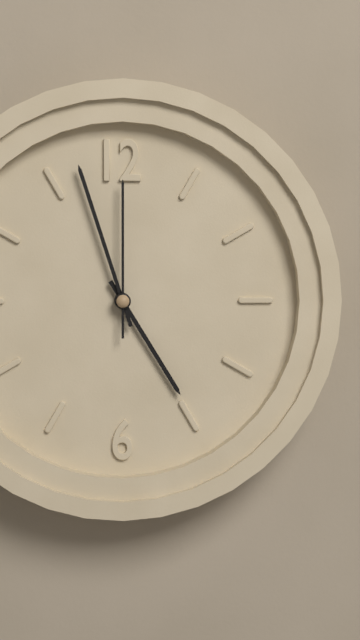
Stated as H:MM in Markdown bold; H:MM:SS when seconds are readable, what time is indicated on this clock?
**4:57:00**
